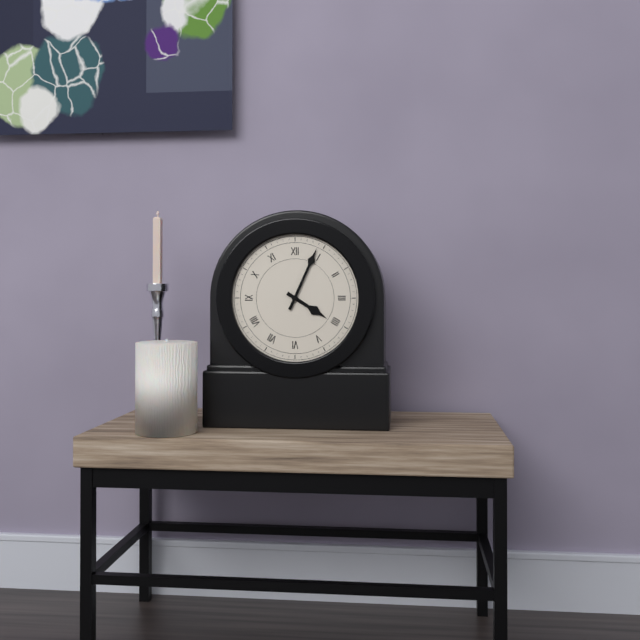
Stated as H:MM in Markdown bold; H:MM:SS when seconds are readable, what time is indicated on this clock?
**4:04**
